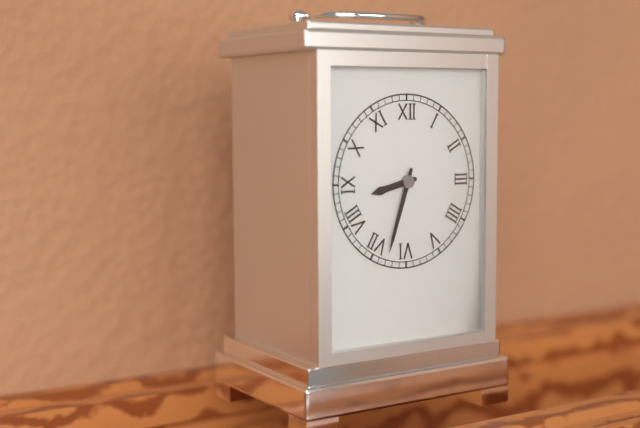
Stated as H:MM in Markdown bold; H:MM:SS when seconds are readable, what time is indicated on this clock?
**8:33**
